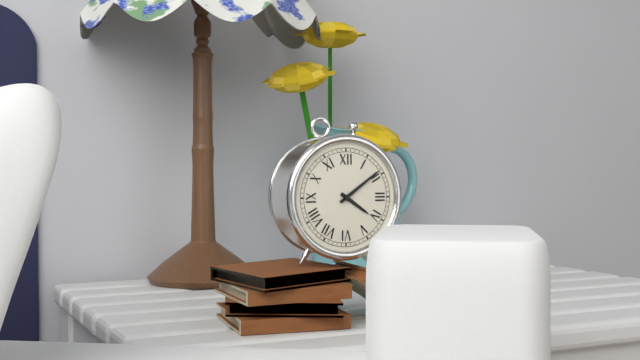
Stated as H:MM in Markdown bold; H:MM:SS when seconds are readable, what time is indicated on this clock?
**4:09**
